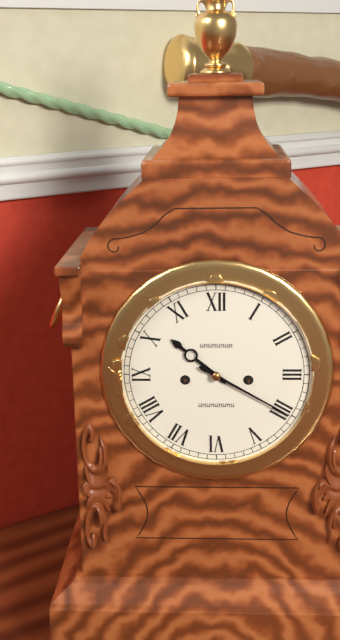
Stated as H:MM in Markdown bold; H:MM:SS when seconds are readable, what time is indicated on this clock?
**10:20**
